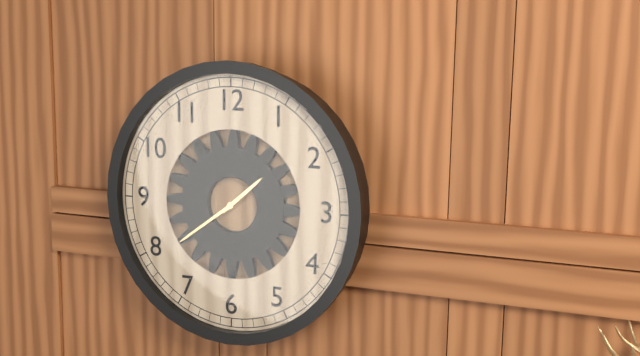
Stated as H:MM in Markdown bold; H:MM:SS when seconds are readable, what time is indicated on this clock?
**1:39**
